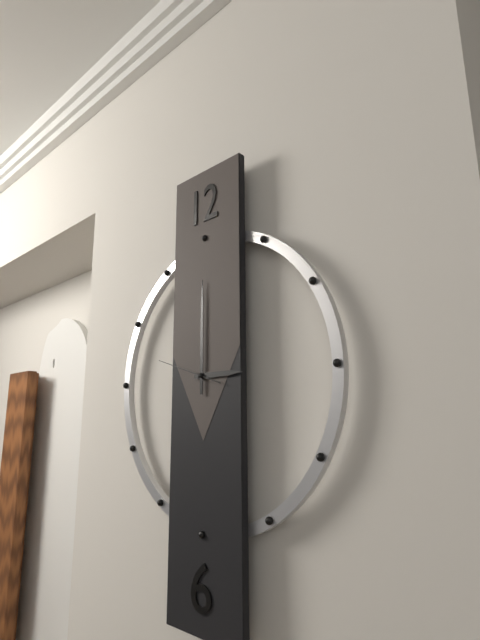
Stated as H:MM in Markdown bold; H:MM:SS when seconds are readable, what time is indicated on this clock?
**3:00:48**
